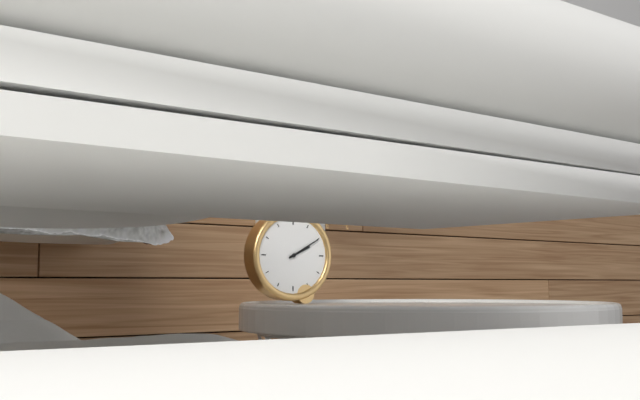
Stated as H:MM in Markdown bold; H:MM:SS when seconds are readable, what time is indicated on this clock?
**2:10**
